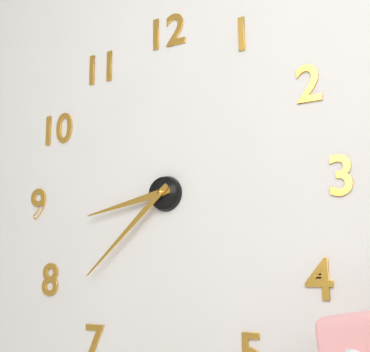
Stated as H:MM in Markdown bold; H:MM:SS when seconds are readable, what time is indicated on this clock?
**8:38**
